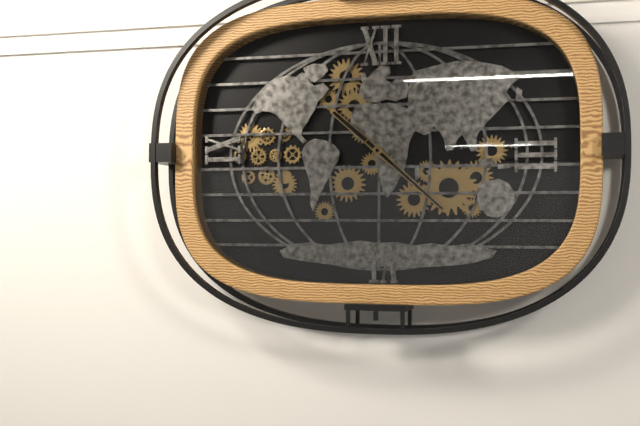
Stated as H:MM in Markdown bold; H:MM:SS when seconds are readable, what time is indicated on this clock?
**10:22**
